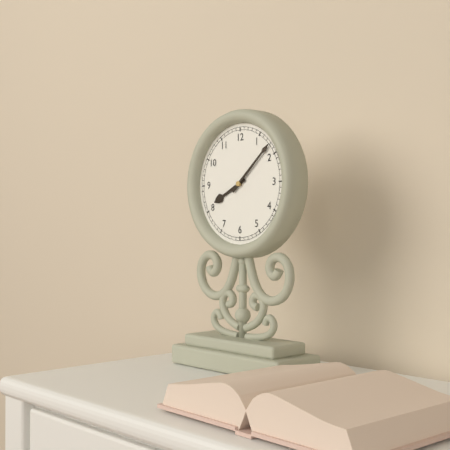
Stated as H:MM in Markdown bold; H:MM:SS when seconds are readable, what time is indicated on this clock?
**8:08**
